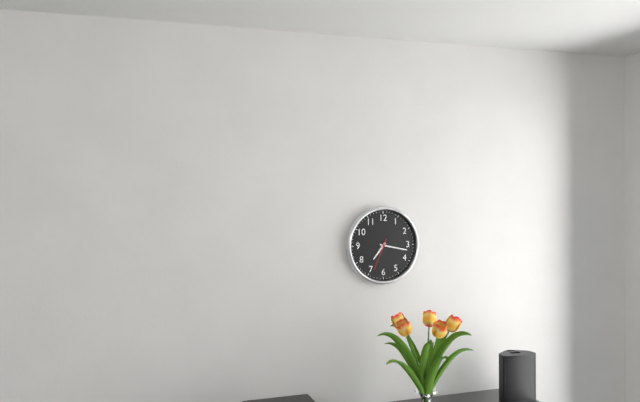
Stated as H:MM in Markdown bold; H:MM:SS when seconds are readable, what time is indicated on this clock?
**7:17**
